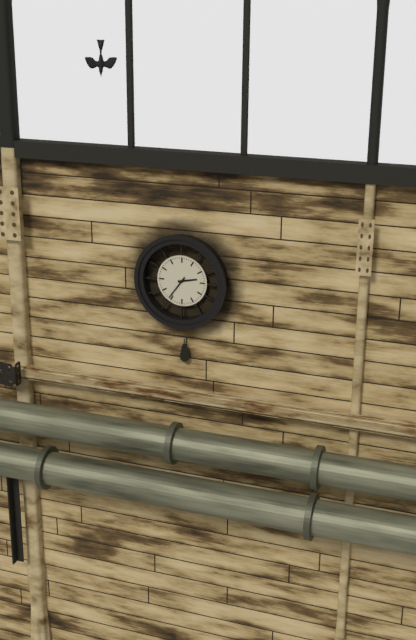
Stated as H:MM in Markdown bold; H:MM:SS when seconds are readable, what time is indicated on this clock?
**2:36**
